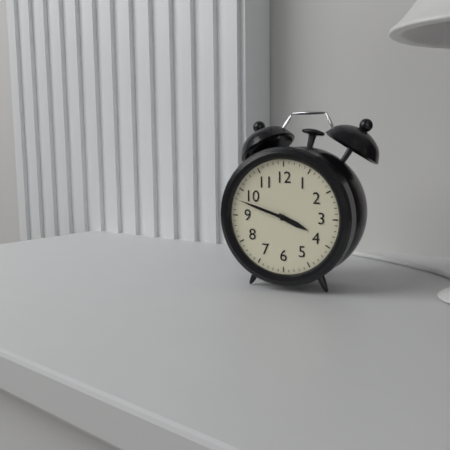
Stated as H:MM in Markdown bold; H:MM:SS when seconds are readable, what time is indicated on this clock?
**3:48**
